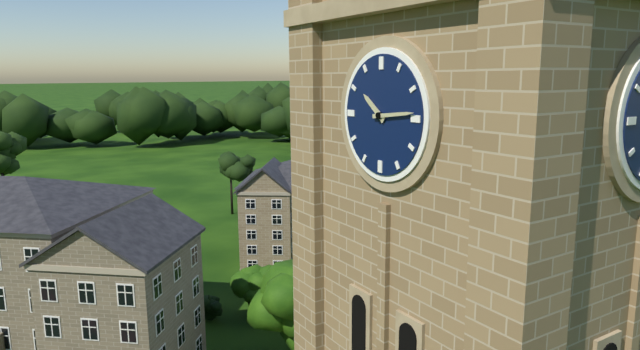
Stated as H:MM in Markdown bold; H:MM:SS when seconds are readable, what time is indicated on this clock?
**10:14**
